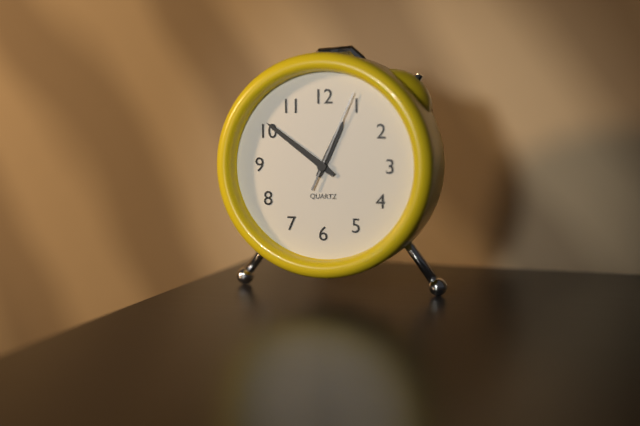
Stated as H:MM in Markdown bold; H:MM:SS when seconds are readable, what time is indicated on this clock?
**12:51:04**
